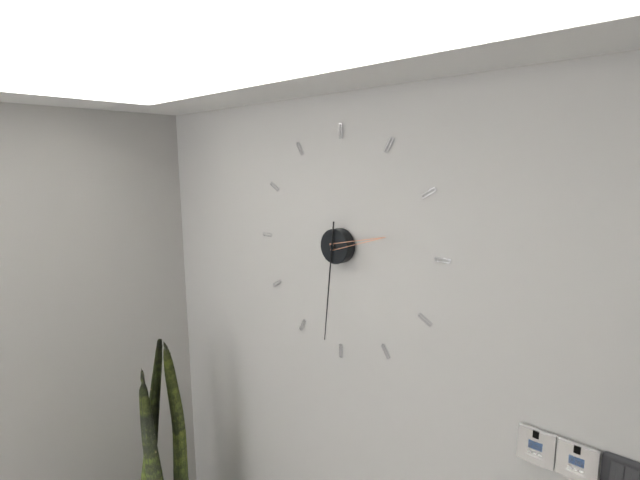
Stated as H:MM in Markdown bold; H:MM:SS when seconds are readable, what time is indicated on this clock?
**2:31**
